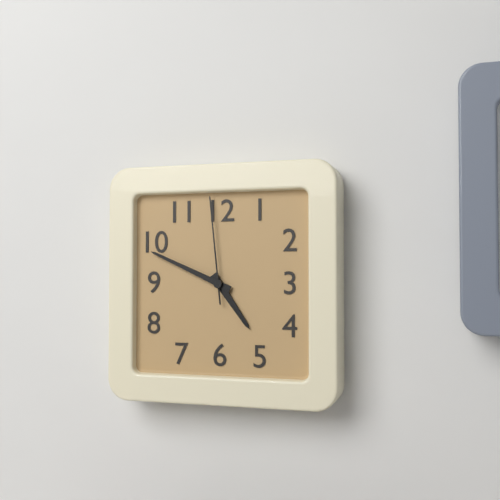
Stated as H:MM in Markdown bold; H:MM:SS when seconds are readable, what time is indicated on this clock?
**4:49:59**
